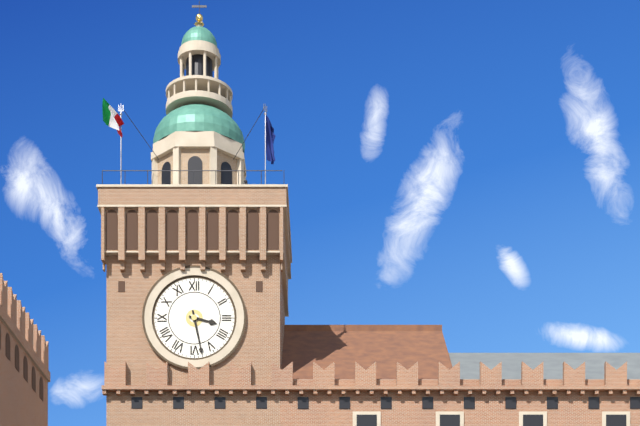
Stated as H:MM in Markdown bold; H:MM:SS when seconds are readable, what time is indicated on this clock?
**3:28**
